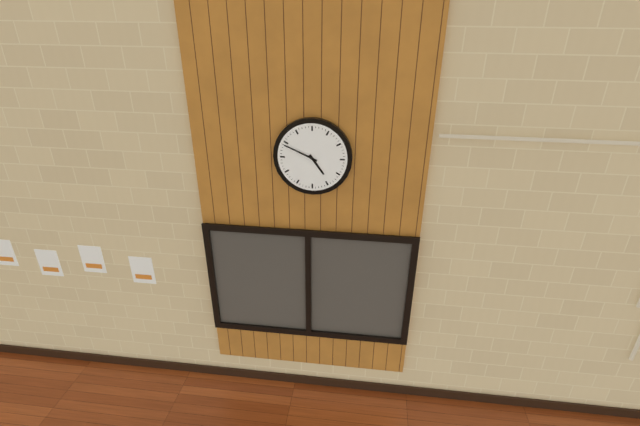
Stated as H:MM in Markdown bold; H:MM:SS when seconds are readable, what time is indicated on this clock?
**4:49**
